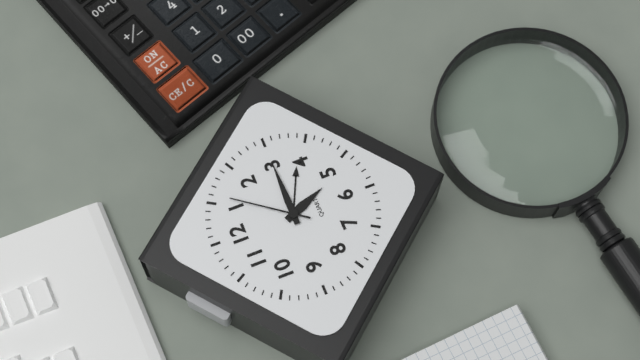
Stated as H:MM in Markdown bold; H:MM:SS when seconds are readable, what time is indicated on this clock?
**5:15:06**
